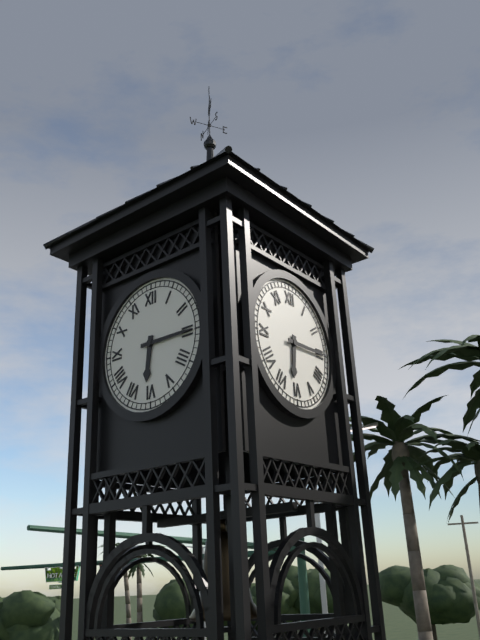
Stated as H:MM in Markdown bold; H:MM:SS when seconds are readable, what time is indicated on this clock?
**6:15**
